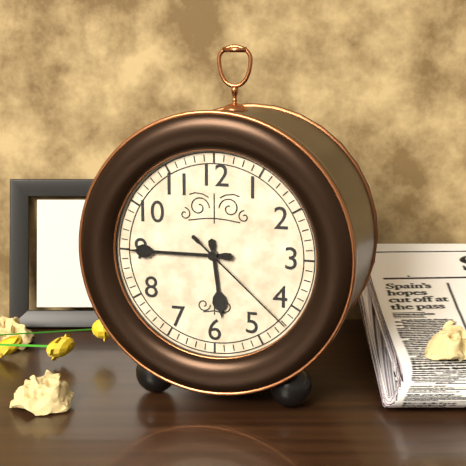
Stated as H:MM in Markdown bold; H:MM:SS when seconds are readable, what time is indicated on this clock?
**5:45:22**
